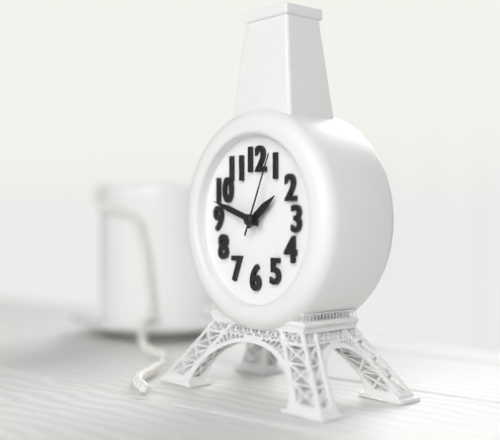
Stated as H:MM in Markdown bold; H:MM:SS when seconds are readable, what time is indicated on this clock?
**1:48:04**
